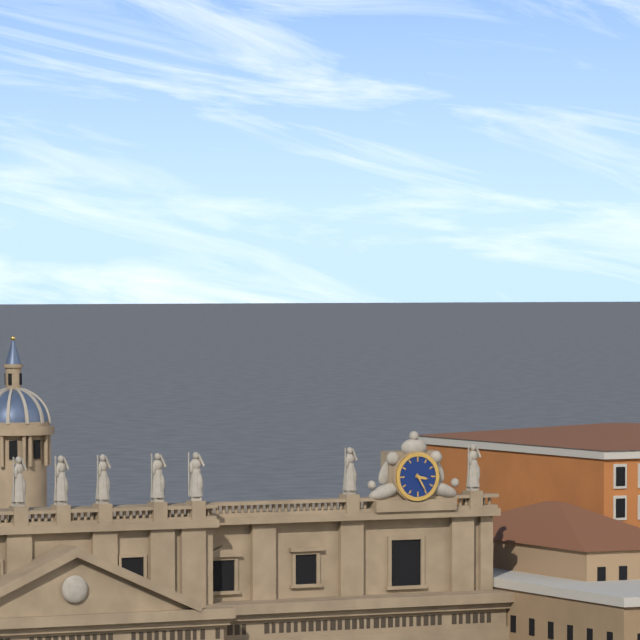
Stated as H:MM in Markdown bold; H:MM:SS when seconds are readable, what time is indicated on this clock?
**3:25**
